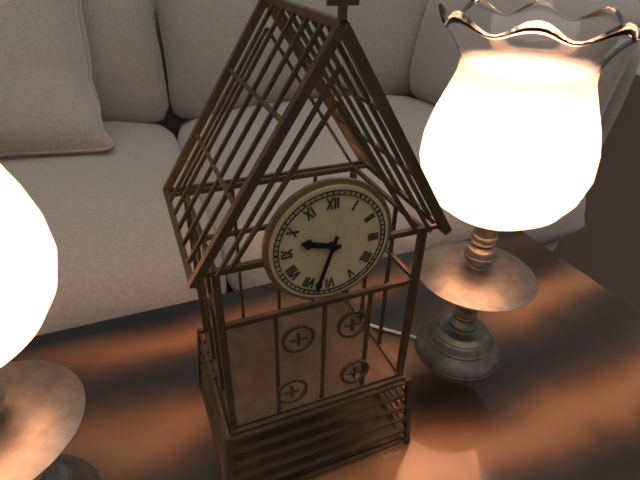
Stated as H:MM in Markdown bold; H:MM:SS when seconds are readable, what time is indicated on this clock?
**9:33**
